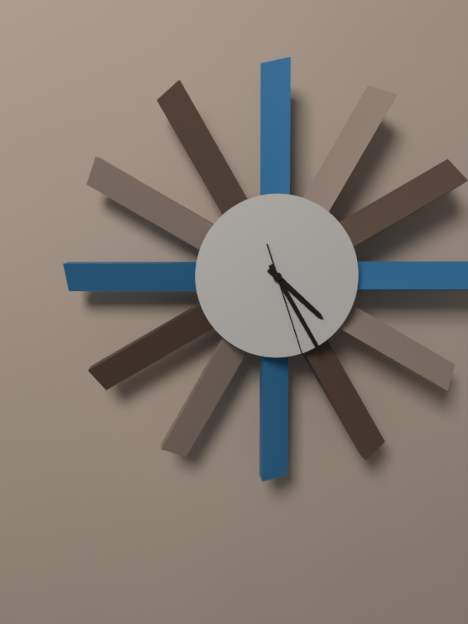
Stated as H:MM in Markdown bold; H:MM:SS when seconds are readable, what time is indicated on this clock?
**4:25:27**
